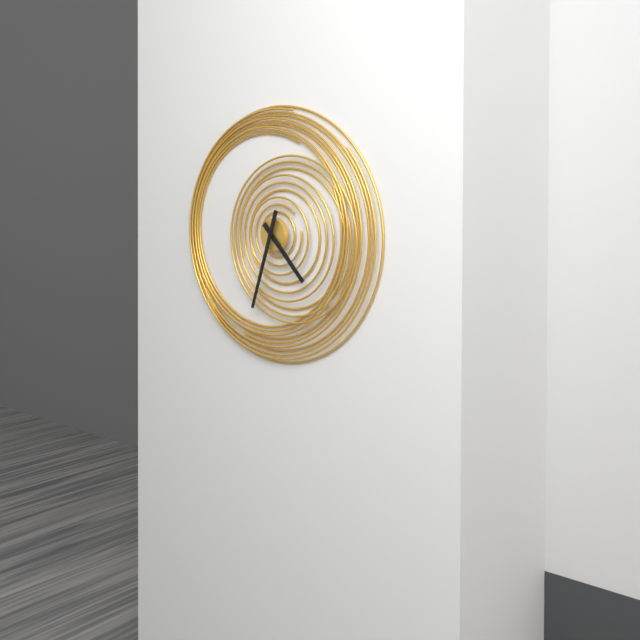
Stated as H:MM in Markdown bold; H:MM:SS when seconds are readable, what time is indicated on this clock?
**4:33**
